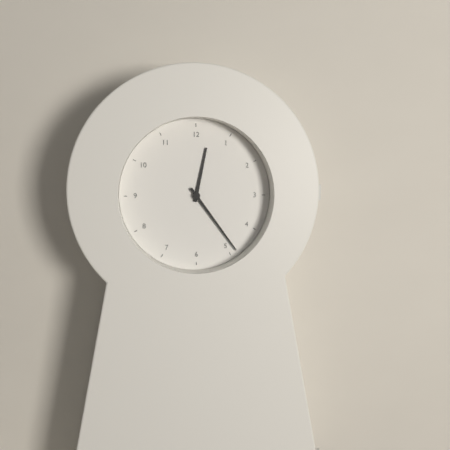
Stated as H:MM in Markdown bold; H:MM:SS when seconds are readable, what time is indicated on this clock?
**12:24**
